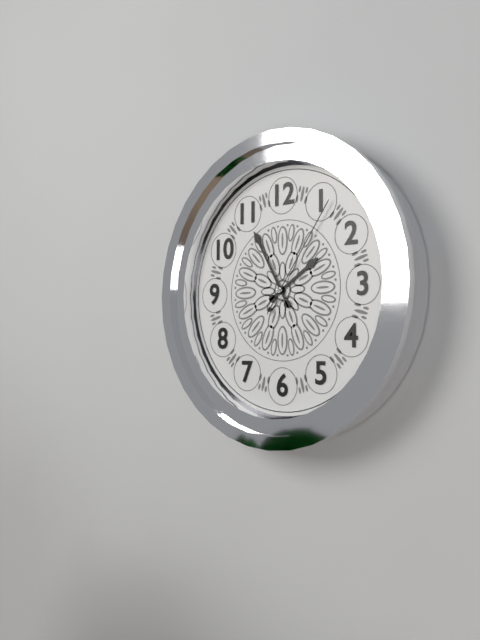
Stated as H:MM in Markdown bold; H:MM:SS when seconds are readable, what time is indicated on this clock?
**1:55:06**
